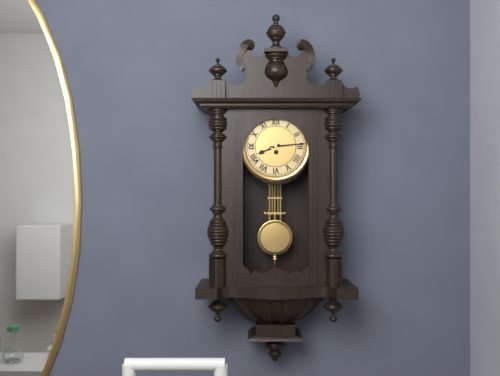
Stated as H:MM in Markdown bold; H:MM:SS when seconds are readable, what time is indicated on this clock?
**8:14**
